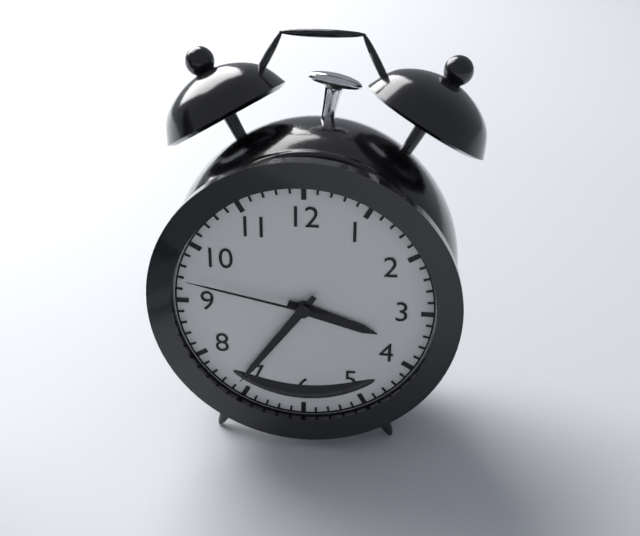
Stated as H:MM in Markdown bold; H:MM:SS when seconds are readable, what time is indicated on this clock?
**3:36:47**
